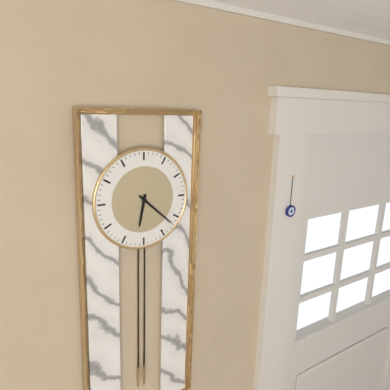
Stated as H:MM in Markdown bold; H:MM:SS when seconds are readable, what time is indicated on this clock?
**6:22**
